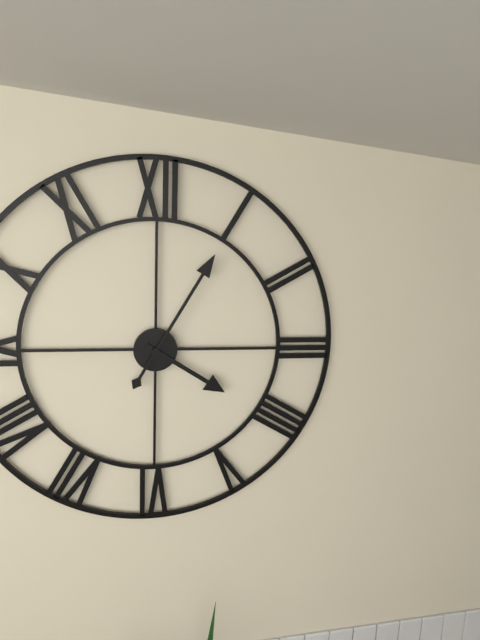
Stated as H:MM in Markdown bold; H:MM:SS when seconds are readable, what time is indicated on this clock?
**4:05**
